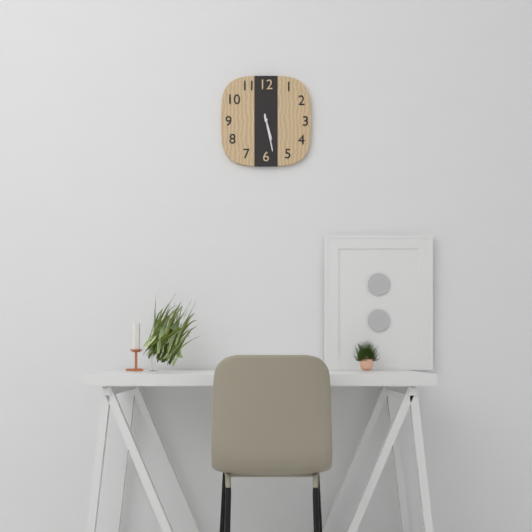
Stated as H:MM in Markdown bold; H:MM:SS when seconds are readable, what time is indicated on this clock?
**5:28**
